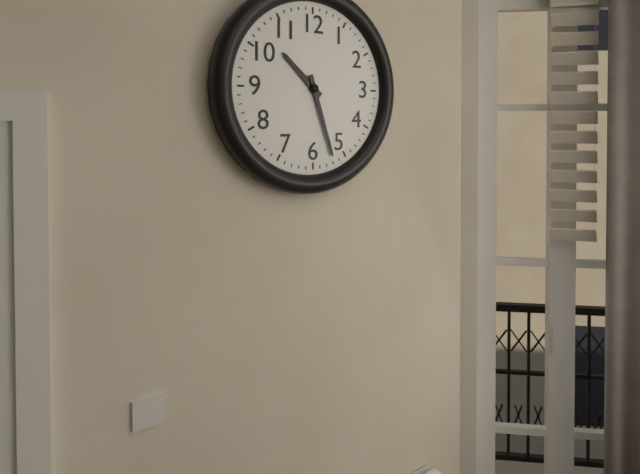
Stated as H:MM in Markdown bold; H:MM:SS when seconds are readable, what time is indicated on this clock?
**10:27**
